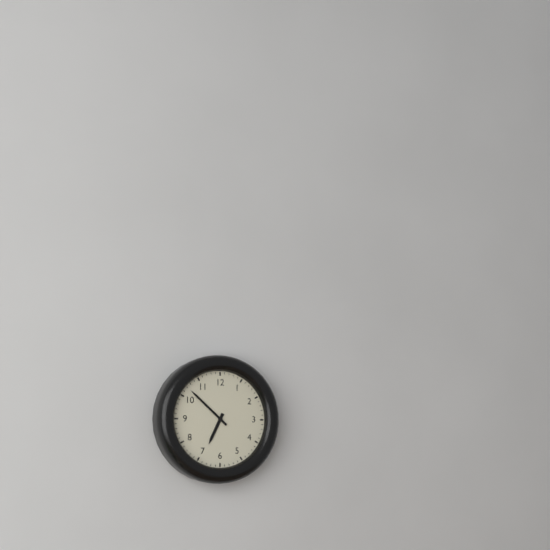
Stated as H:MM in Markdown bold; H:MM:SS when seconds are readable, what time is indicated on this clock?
**6:52**
